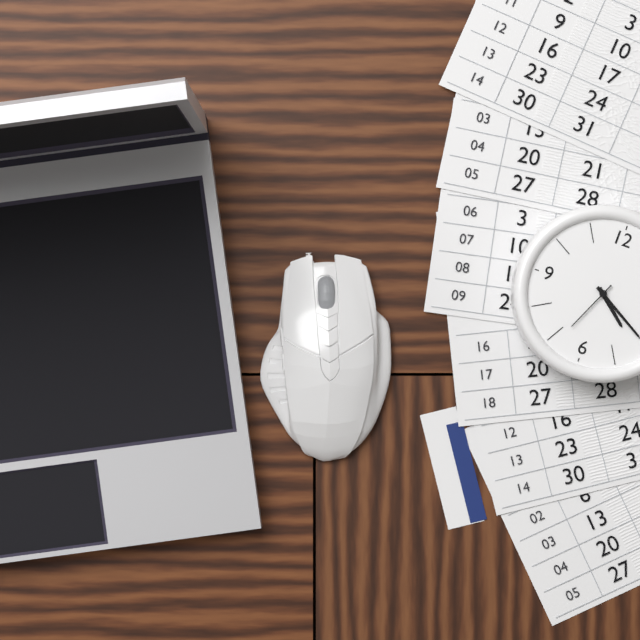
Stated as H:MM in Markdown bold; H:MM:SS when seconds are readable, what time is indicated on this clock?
**4:20:34**
